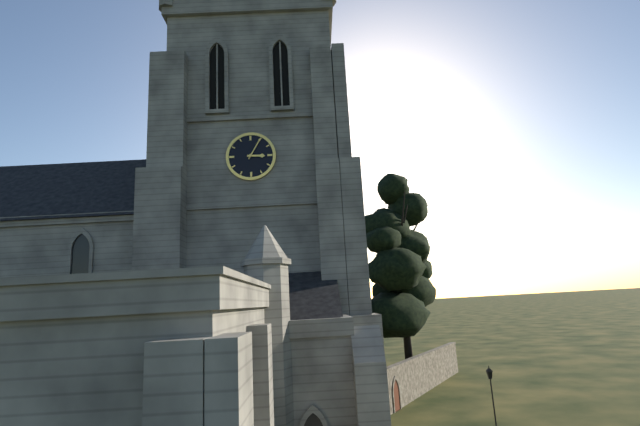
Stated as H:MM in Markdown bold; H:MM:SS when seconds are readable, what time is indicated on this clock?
**3:05**
